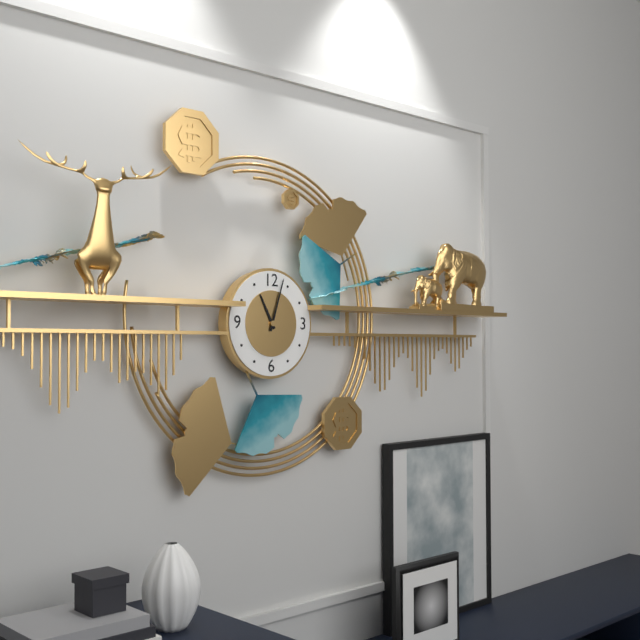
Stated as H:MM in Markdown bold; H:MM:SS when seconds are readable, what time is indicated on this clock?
**11:03**
